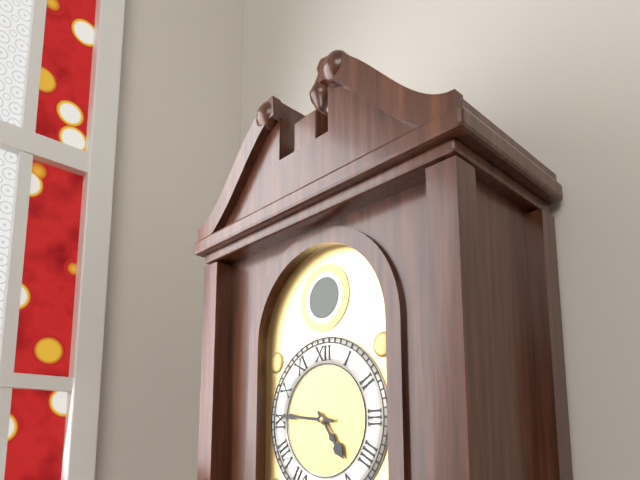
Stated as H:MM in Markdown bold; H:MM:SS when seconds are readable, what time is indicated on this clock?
**4:46**
